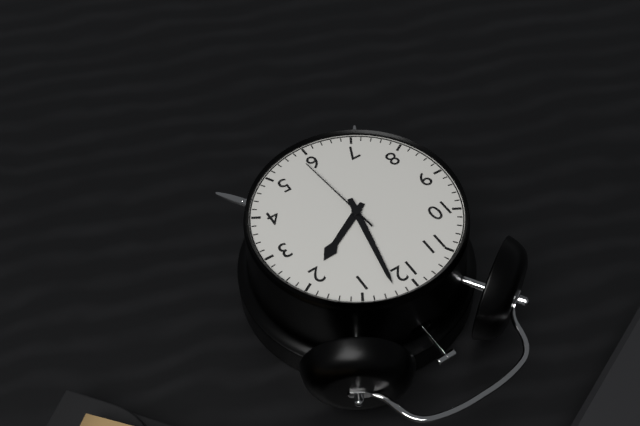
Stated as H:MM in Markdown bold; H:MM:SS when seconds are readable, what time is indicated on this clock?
**2:02:29**
